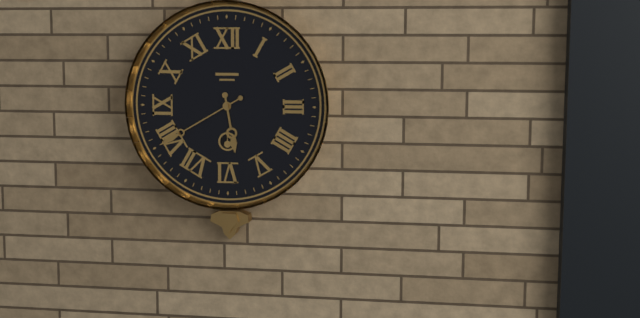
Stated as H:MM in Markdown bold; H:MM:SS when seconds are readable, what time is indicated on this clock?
**5:40**
